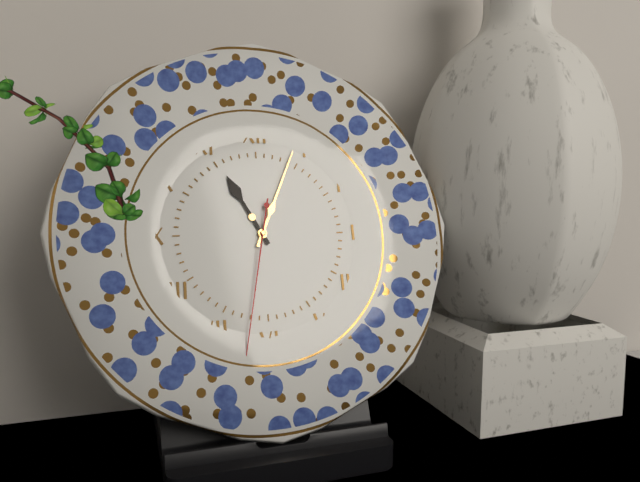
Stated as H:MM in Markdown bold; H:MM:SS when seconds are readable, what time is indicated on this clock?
**11:04:32**
